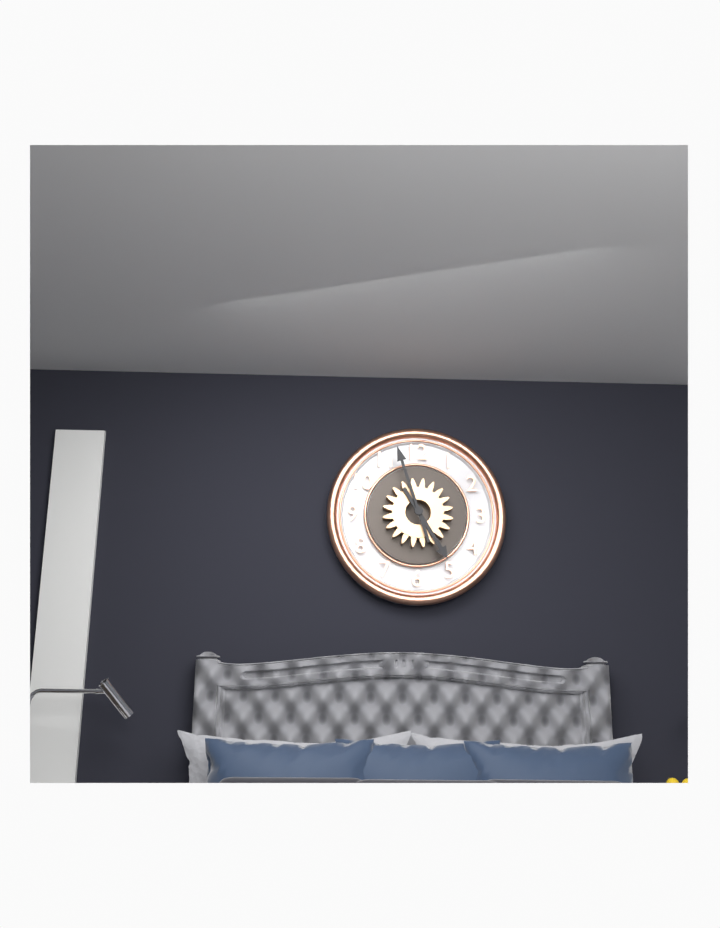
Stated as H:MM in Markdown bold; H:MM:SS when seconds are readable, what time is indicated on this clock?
**4:57**
